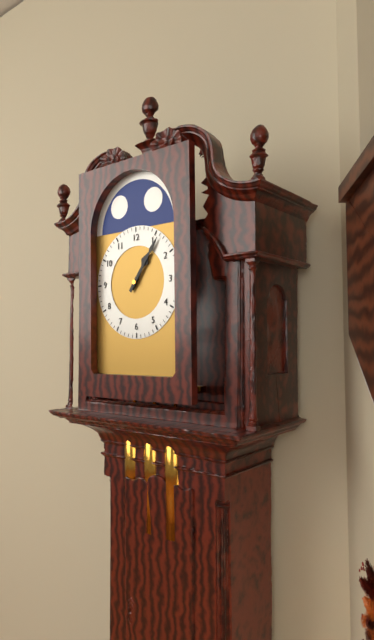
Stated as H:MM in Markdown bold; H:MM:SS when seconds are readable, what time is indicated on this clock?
**1:06**
